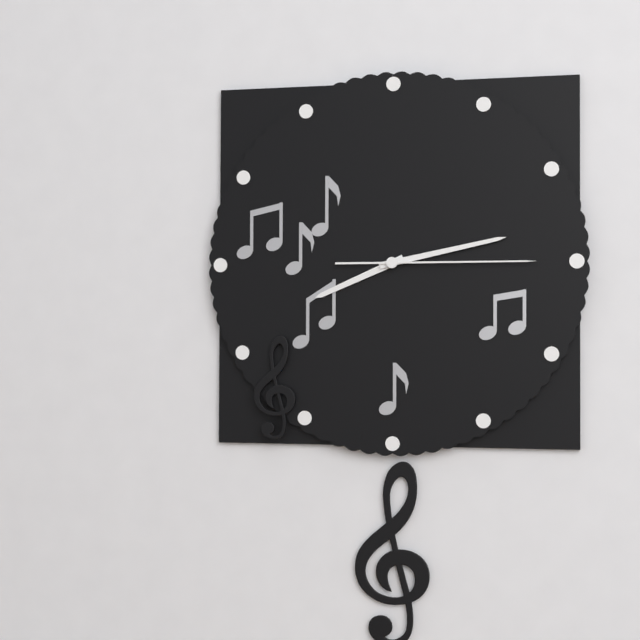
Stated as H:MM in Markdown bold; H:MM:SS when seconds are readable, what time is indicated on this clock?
**8:13:15**
